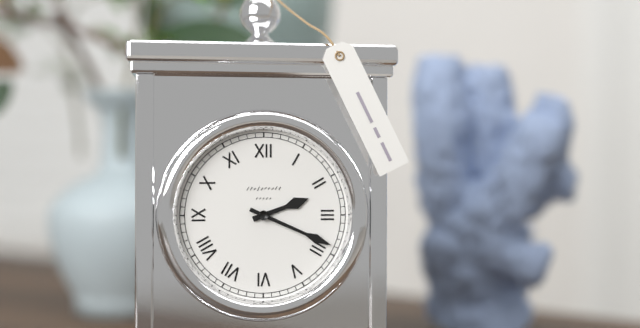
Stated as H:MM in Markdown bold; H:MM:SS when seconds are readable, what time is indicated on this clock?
**2:19**
